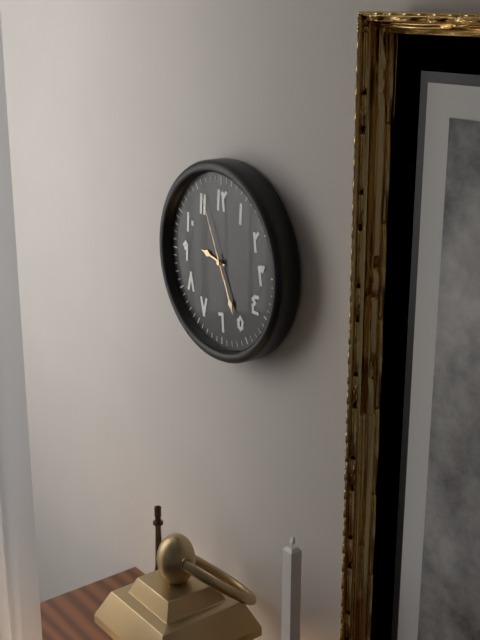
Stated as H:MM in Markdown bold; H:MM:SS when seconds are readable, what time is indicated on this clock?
**9:26:56**
